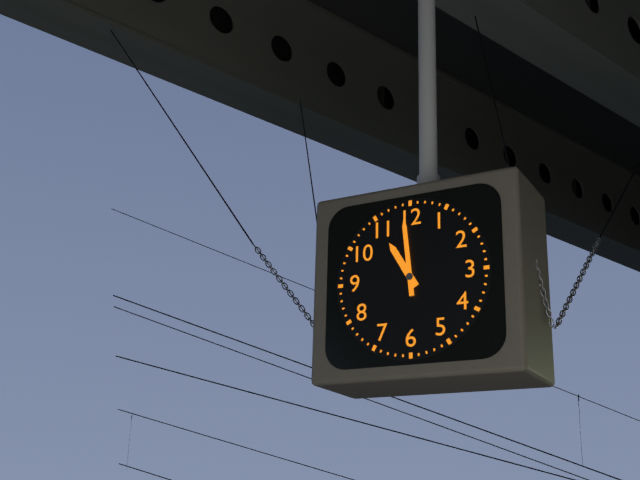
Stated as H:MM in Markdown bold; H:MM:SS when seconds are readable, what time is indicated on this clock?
**10:59**
